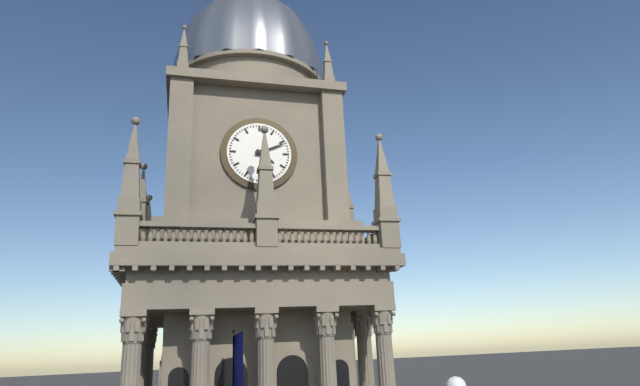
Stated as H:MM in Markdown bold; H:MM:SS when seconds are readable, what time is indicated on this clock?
**4:11**
